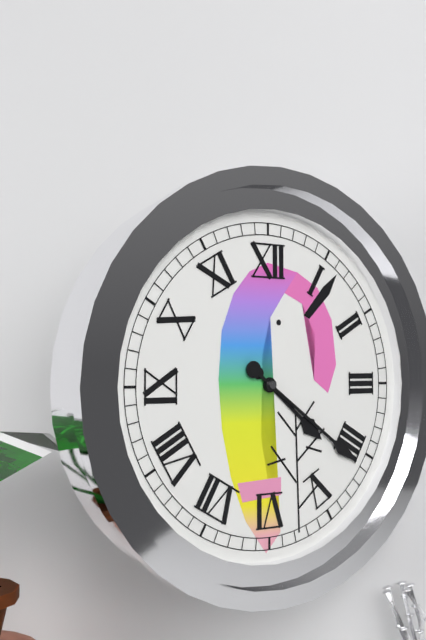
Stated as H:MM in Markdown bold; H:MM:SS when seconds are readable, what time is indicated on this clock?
**4:21**
